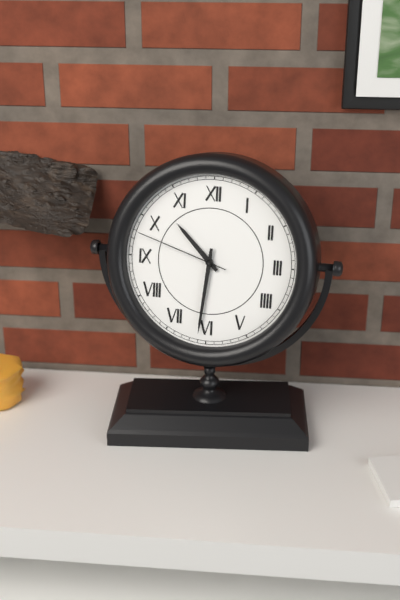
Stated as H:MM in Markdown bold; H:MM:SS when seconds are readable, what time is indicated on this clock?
**10:31:48**
